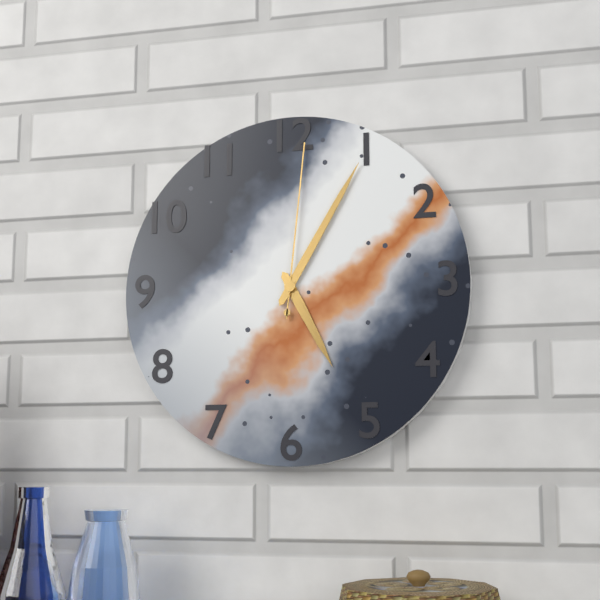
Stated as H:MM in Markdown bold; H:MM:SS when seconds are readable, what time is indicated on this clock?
**5:05:01**
